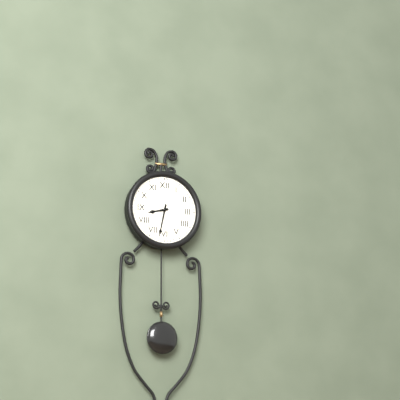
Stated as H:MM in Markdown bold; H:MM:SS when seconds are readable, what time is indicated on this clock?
**8:32**
